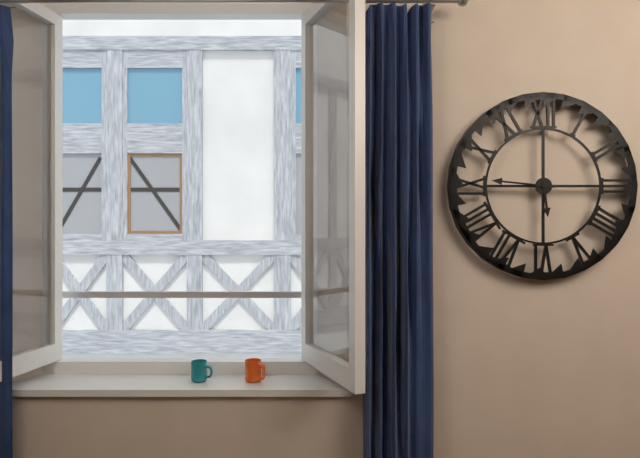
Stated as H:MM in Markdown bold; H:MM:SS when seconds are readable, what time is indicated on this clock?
**5:46**
